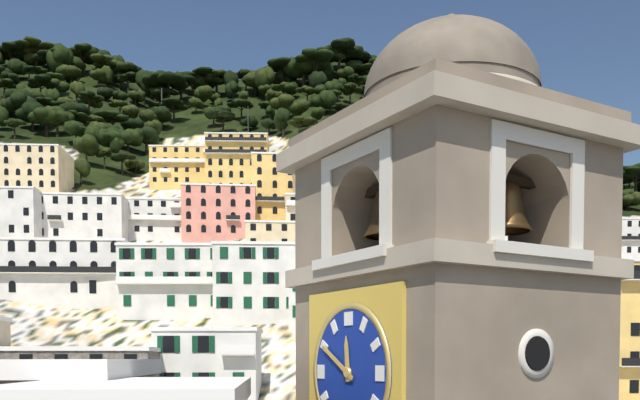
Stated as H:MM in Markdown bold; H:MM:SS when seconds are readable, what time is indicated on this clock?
**11:50**
